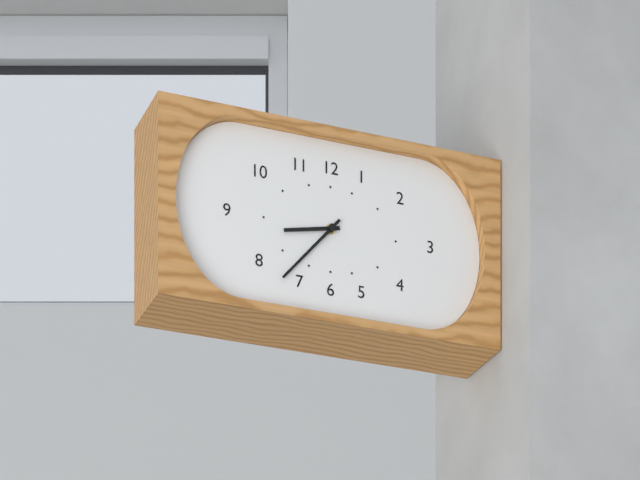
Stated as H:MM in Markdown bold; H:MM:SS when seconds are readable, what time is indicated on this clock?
**8:37**
